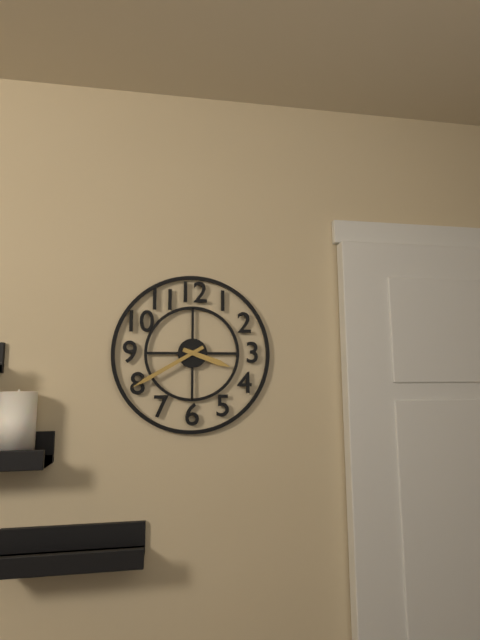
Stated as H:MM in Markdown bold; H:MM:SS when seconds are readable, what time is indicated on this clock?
**3:40**
